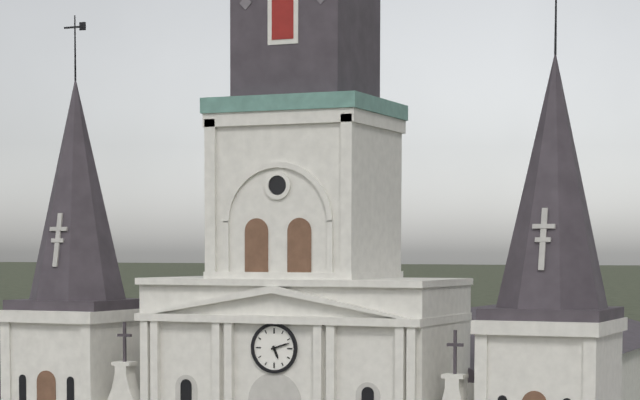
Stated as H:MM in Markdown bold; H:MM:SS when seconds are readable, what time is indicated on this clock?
**5:12**
